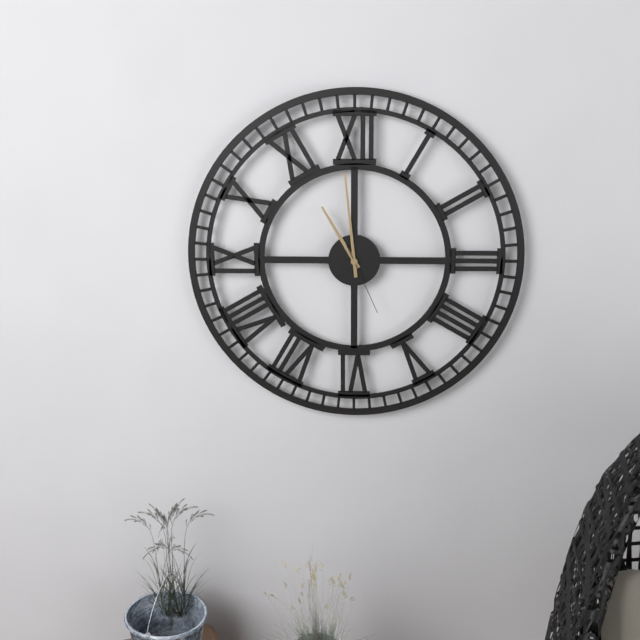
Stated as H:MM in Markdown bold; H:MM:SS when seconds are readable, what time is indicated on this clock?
**10:59:26**
